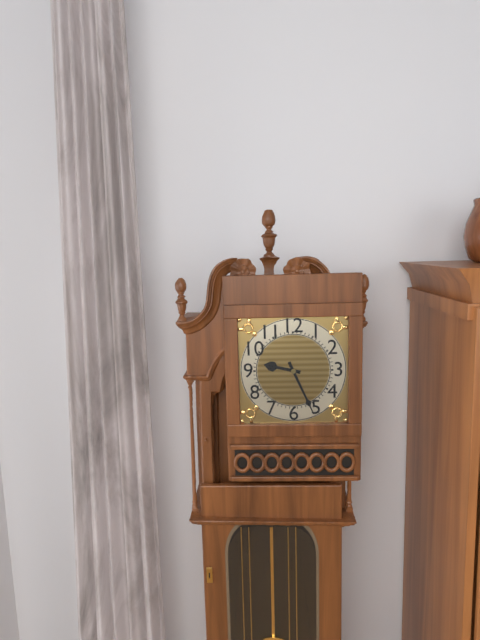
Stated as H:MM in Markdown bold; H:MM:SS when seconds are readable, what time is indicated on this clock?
**9:26**
